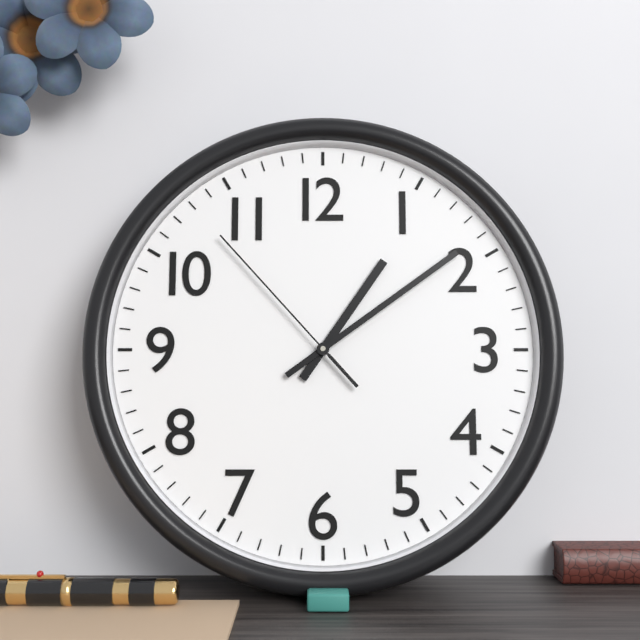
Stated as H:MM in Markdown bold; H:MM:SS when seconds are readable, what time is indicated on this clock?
**1:09:53**
